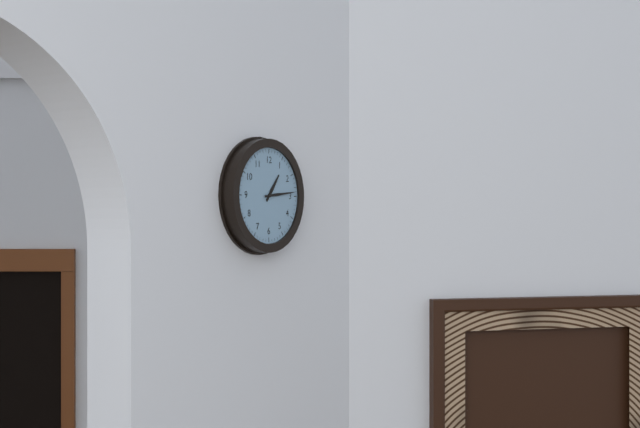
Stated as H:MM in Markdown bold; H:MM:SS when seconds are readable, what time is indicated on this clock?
**1:14**
